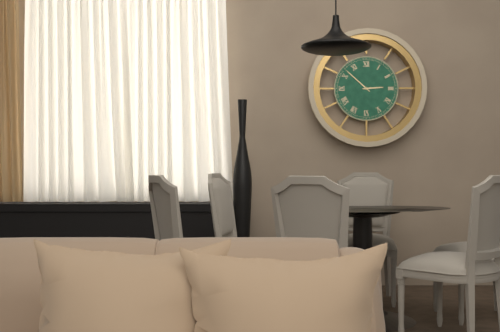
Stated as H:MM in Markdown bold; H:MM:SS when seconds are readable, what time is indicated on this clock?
**2:52**
